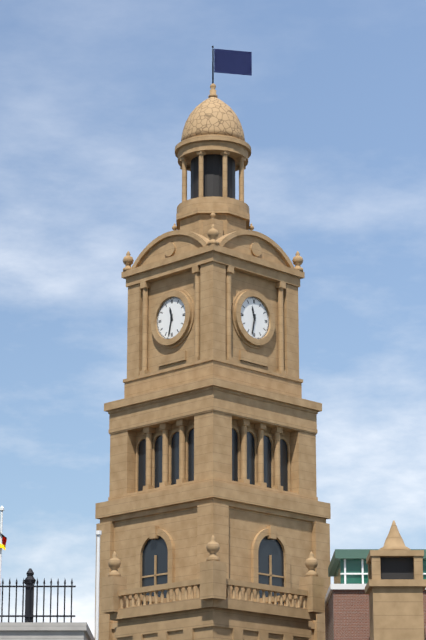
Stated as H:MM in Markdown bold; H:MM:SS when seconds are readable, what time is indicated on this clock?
**11:32**
